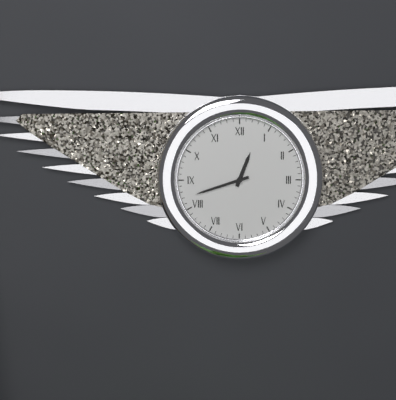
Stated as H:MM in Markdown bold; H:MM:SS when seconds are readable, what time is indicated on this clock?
**12:42**
